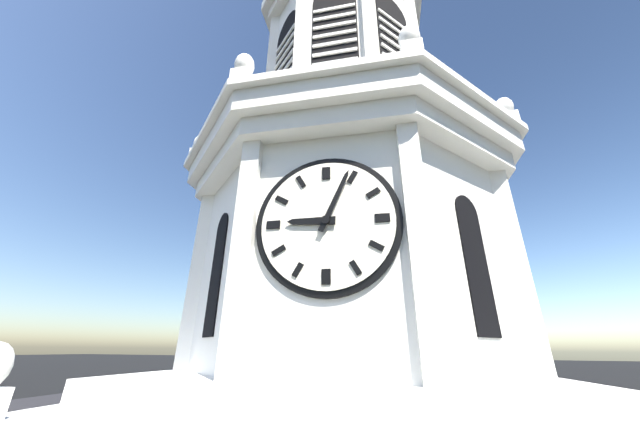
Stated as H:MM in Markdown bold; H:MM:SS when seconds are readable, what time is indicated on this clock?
**9:04**
